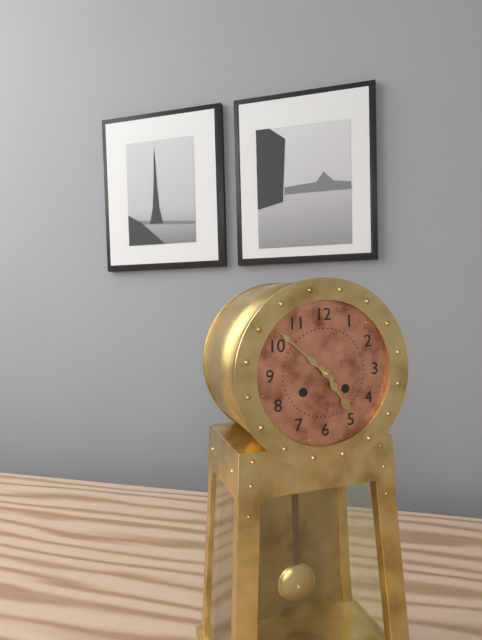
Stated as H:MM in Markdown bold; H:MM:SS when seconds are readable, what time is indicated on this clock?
**4:52**
